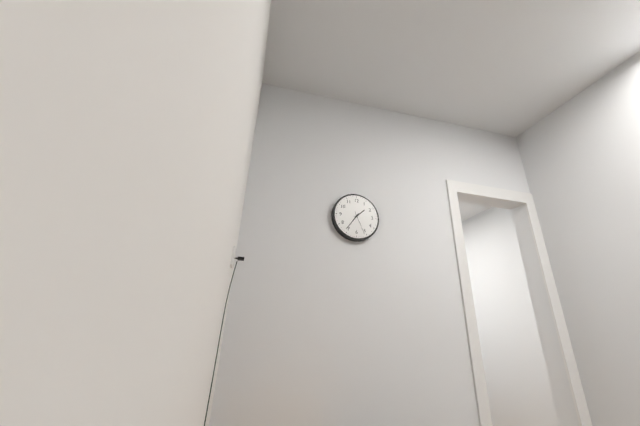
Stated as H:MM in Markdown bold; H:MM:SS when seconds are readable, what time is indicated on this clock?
**1:36**
